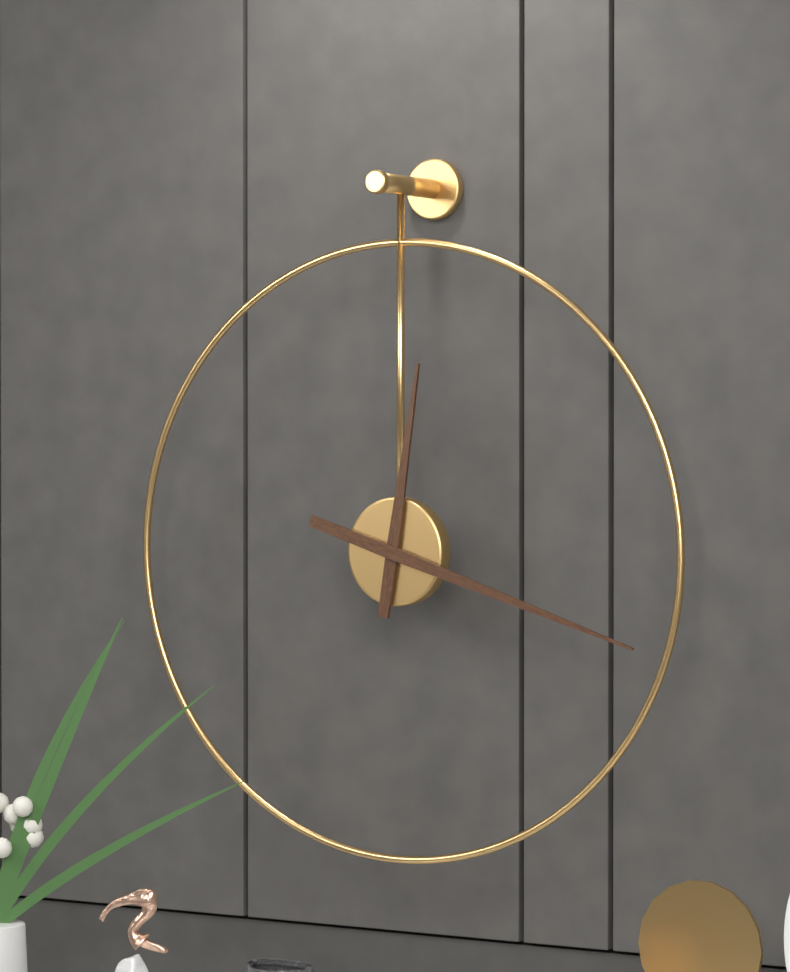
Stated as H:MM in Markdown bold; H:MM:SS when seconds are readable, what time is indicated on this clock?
**12:18**
